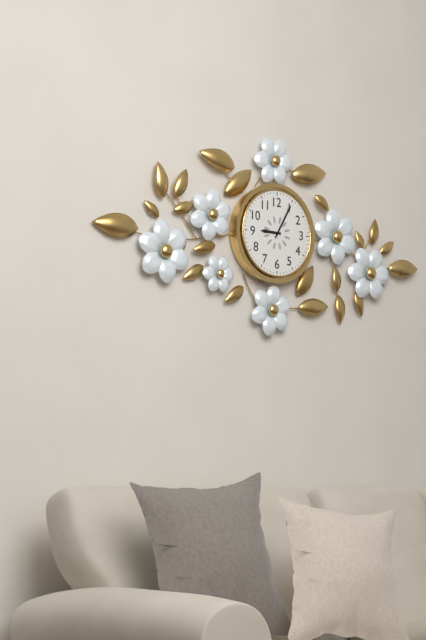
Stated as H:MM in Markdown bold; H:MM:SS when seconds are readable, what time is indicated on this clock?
**9:05**
